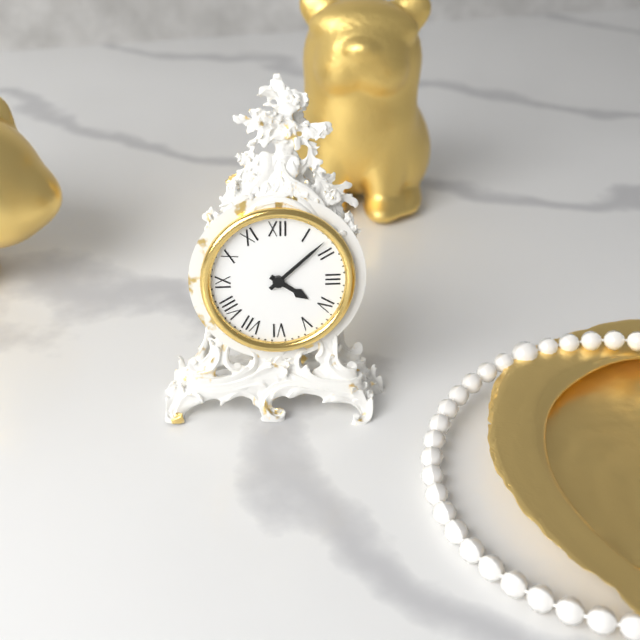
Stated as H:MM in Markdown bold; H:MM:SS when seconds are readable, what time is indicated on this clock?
**4:08**
